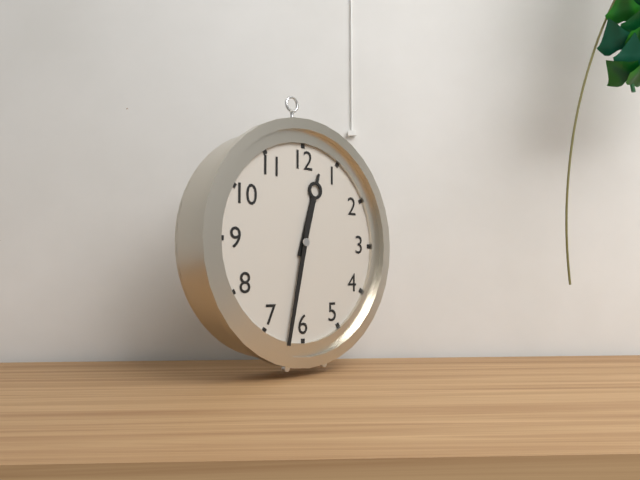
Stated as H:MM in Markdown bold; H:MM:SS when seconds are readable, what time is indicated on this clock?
**12:32**
